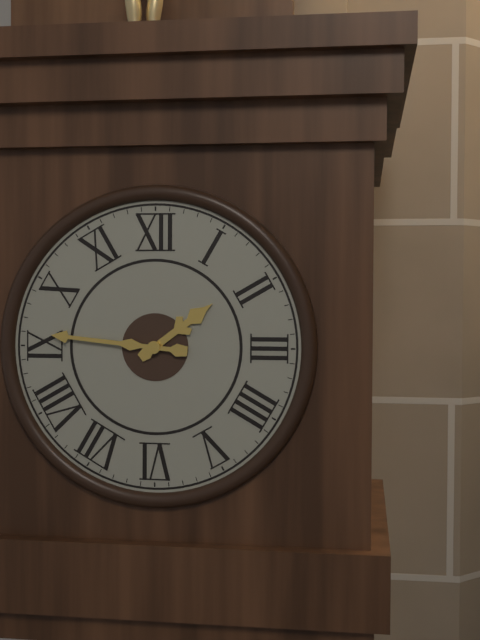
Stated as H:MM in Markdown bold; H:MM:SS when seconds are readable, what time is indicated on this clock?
**1:46**
